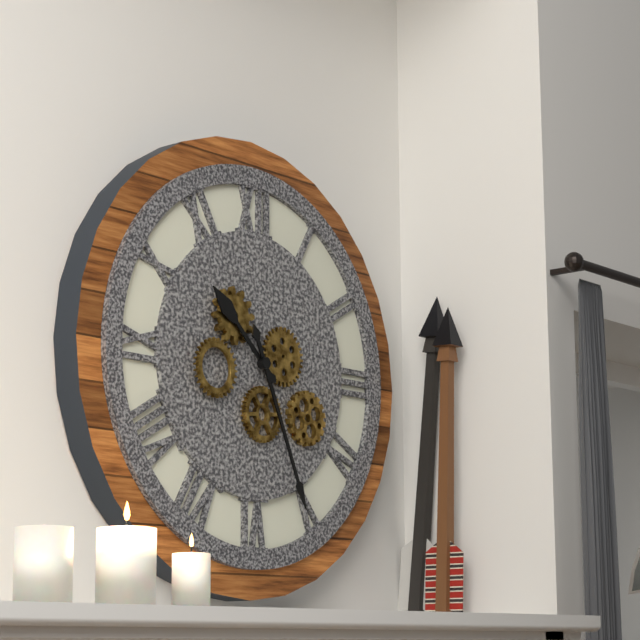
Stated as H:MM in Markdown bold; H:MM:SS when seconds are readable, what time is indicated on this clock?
**10:26**
